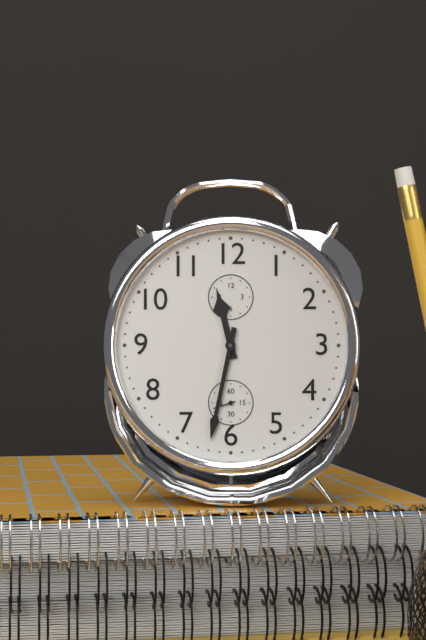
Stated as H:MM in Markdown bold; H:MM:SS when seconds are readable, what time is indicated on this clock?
**11:32**
